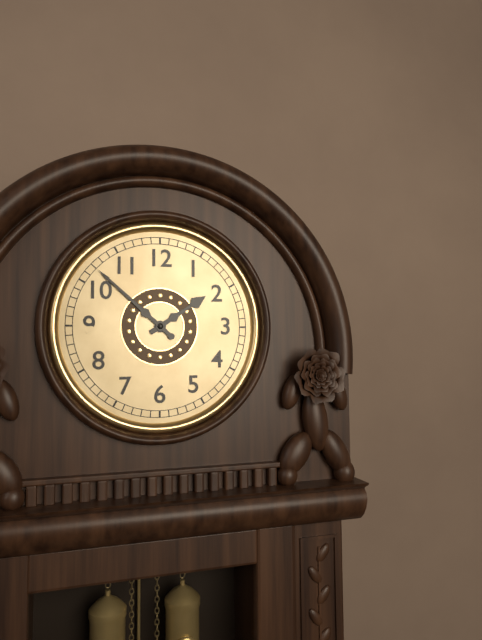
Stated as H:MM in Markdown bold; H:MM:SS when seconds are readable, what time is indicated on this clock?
**1:52**
